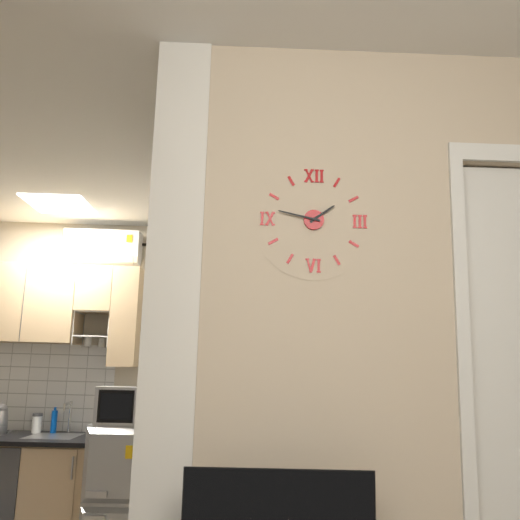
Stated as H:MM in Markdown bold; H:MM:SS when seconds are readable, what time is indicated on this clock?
**1:47**
